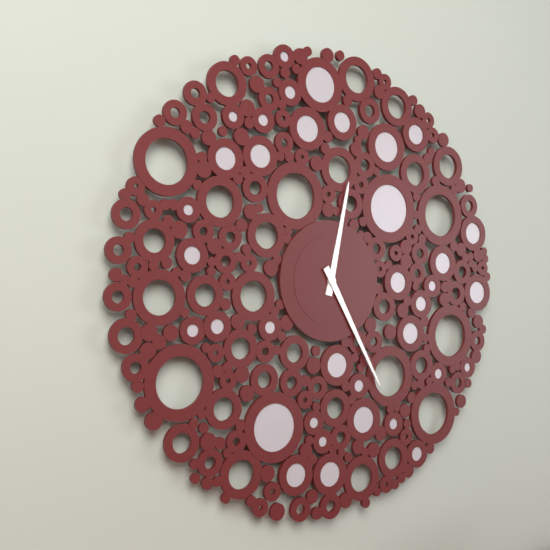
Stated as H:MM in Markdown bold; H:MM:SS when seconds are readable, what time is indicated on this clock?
**12:25**
